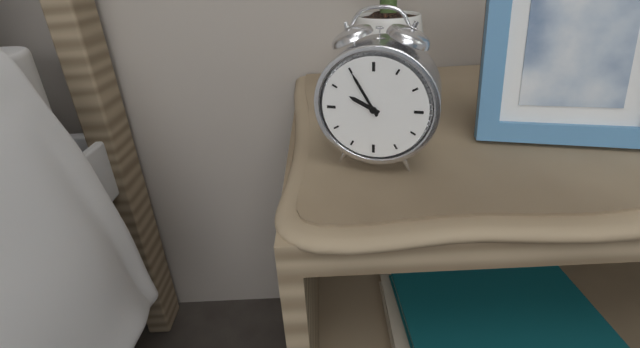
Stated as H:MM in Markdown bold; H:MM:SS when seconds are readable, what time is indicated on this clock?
**9:55**
